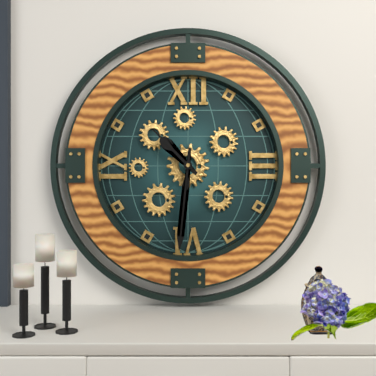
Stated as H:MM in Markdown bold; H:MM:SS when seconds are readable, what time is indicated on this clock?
**10:31**
